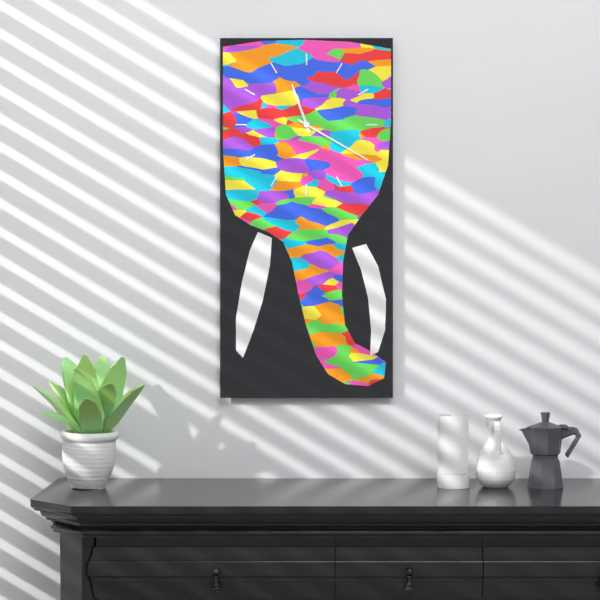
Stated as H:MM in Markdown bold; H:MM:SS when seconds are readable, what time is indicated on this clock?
**11:20**
